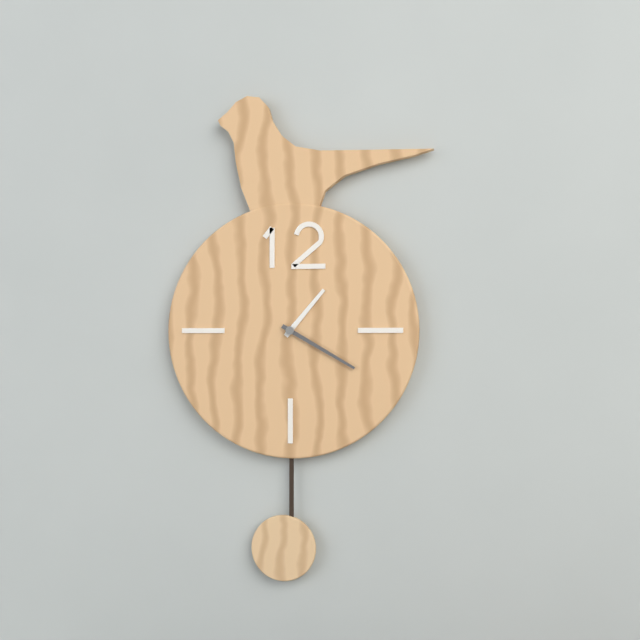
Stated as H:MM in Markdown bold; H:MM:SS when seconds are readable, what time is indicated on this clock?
**1:20**
